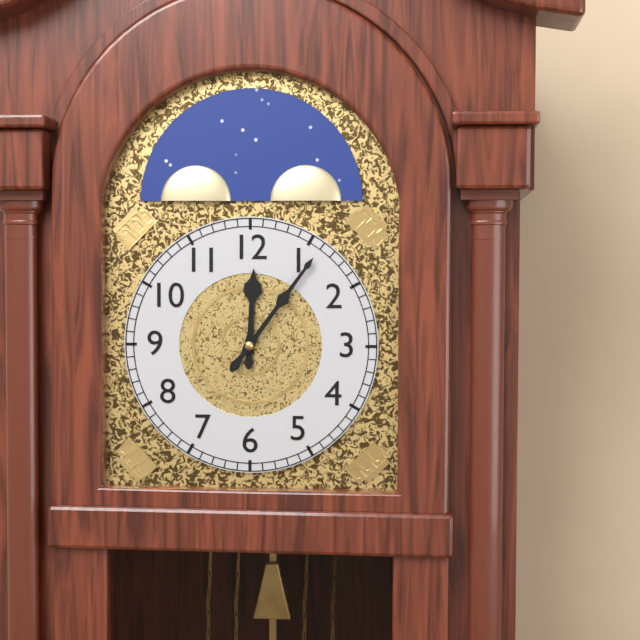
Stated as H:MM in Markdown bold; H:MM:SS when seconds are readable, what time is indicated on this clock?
**12:06**
